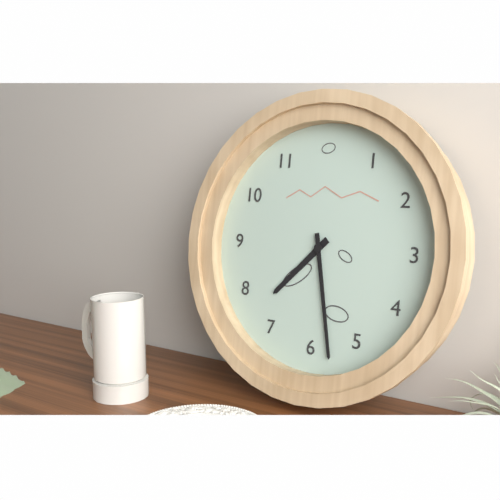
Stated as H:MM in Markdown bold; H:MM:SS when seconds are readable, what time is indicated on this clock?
**7:28**
